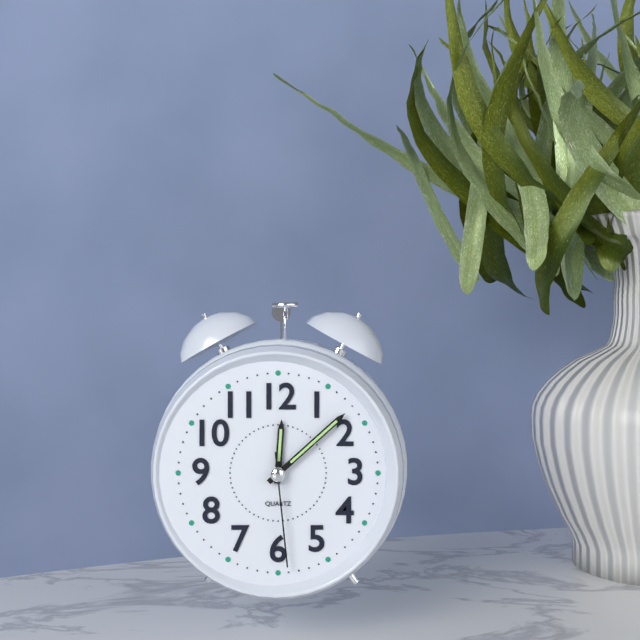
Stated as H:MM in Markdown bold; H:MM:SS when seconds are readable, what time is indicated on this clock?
**12:08:29**
